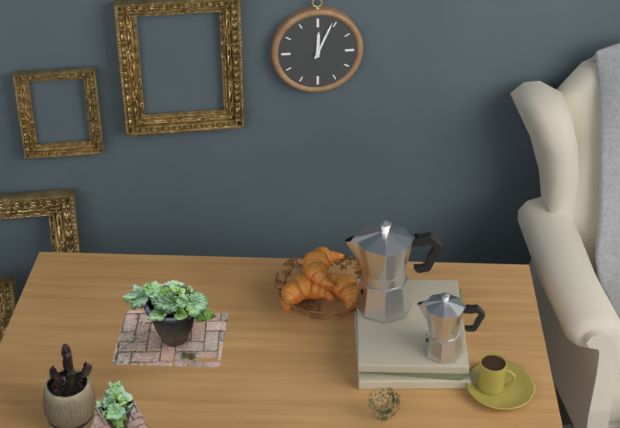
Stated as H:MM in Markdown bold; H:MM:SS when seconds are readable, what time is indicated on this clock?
**12:04**
